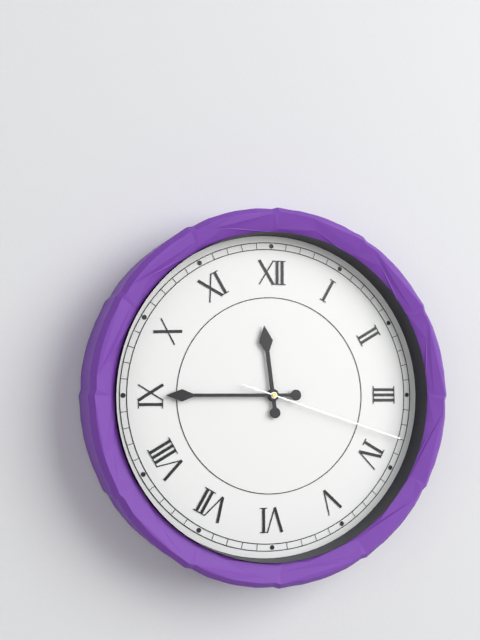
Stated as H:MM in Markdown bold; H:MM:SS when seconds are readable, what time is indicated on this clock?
**11:45:18**
